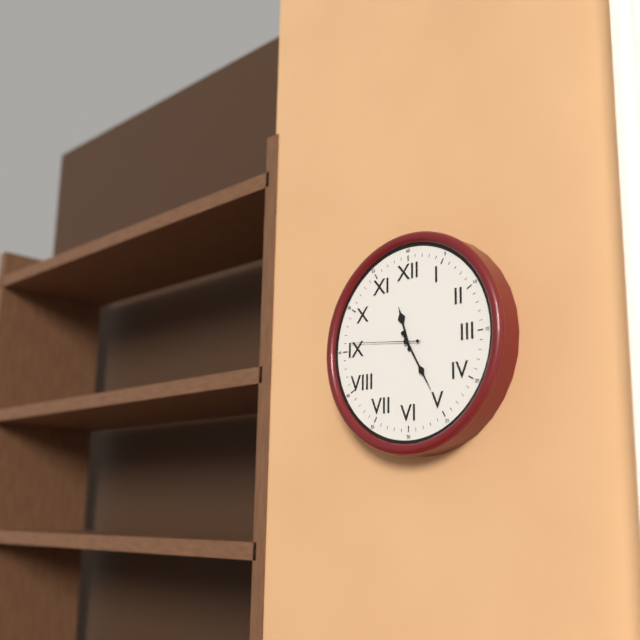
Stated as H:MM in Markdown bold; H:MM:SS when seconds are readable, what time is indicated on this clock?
**11:25:46**
